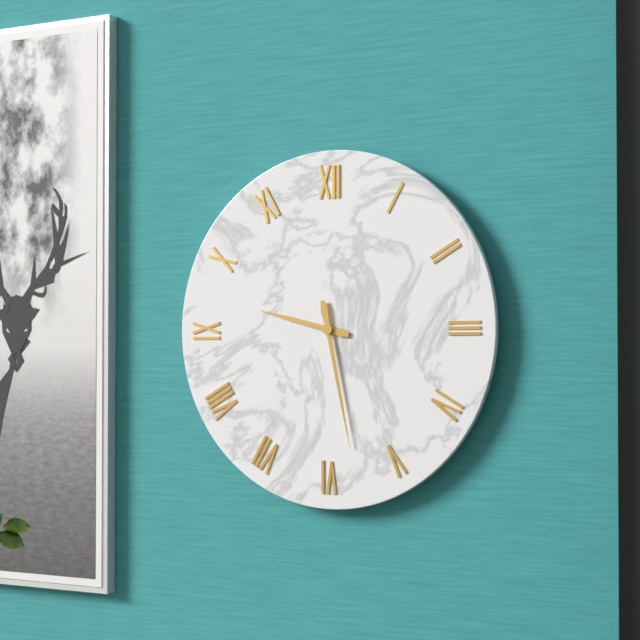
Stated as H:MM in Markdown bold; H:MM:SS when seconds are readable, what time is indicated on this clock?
**9:28**
